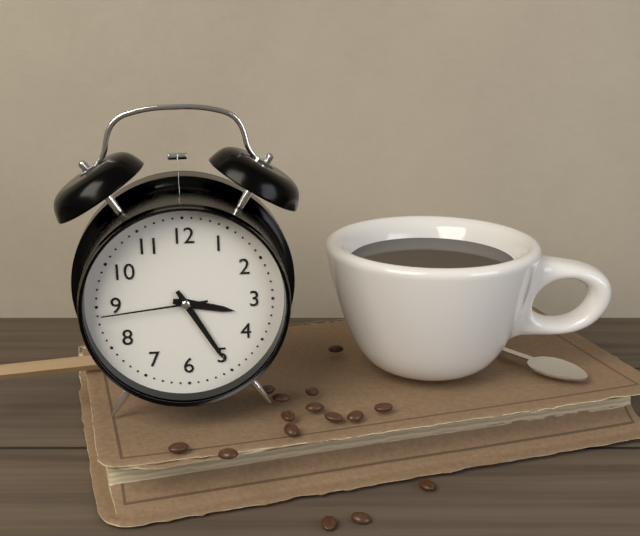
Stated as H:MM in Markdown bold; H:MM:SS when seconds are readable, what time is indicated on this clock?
**3:25:44**
